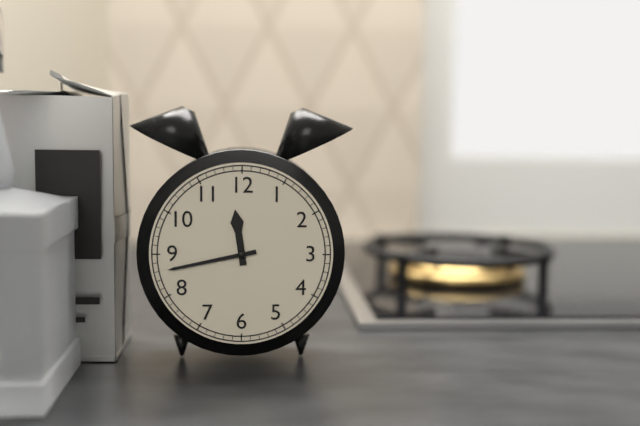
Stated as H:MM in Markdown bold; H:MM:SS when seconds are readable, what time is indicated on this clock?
**11:43**
